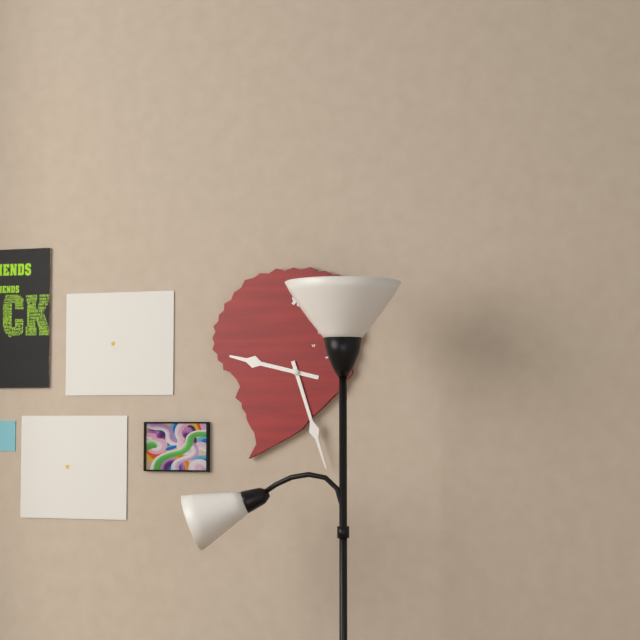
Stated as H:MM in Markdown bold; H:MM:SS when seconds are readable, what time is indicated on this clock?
**9:27**
